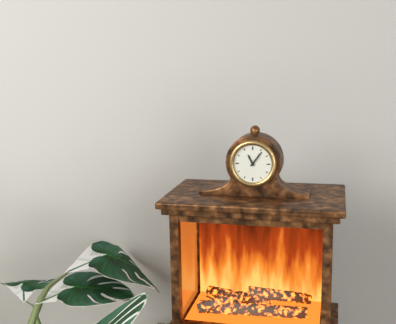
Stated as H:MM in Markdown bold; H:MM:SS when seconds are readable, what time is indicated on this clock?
**11:06**
